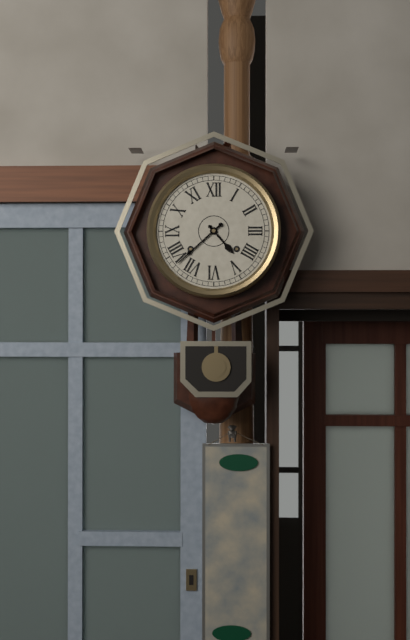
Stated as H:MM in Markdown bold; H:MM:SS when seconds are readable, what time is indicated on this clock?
**4:38**
